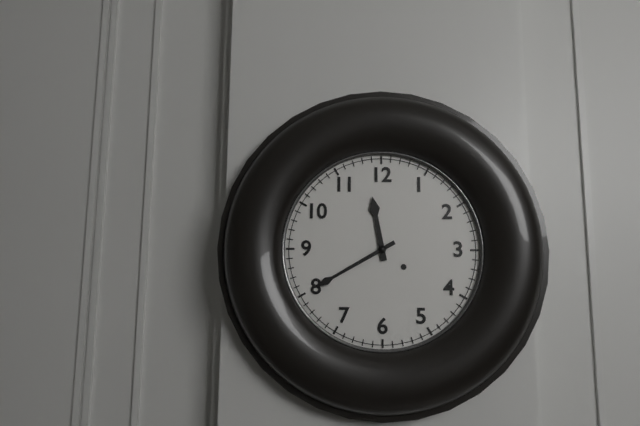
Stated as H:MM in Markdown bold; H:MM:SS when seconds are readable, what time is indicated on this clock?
**11:40**
